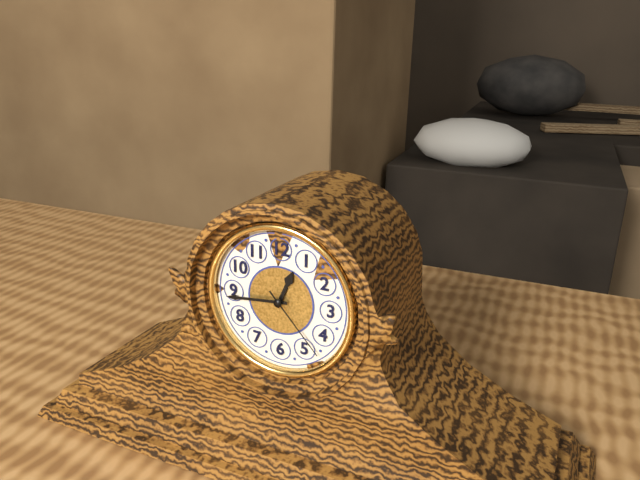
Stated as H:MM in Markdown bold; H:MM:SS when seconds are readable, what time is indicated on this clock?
**12:44:23**
